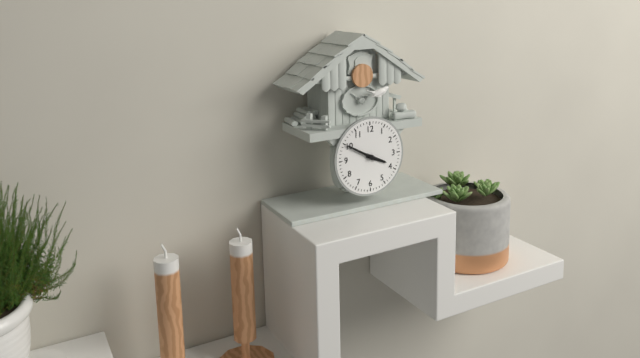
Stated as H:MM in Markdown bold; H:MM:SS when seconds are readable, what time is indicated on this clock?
**3:50**
